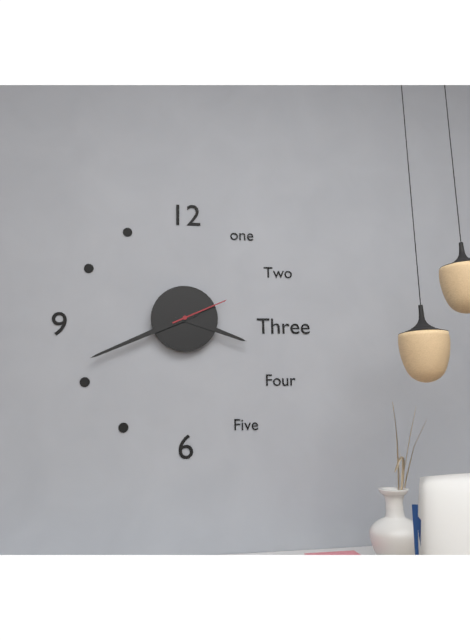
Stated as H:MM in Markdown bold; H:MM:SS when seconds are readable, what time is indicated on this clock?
**3:41:11**
